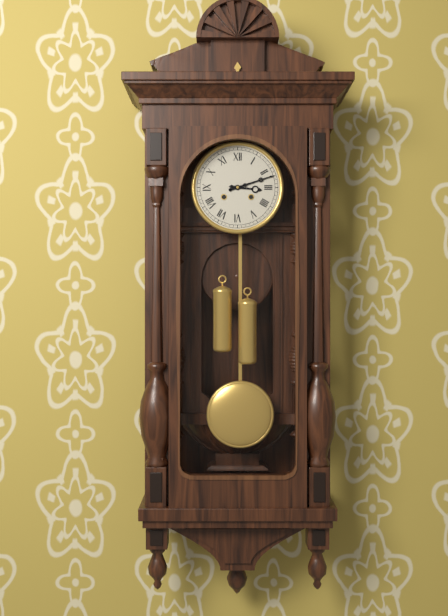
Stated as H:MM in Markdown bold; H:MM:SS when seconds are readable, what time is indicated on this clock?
**3:12**
